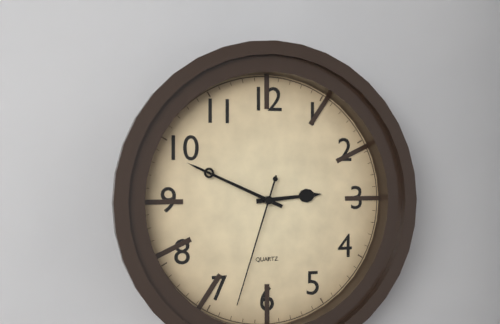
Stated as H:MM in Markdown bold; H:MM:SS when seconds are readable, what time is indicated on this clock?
**2:49:33**
